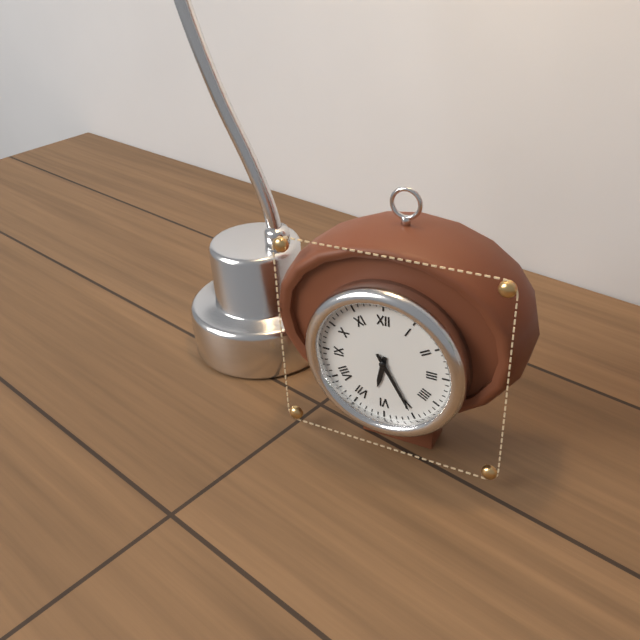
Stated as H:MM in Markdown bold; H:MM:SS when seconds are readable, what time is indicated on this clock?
**6:25**
